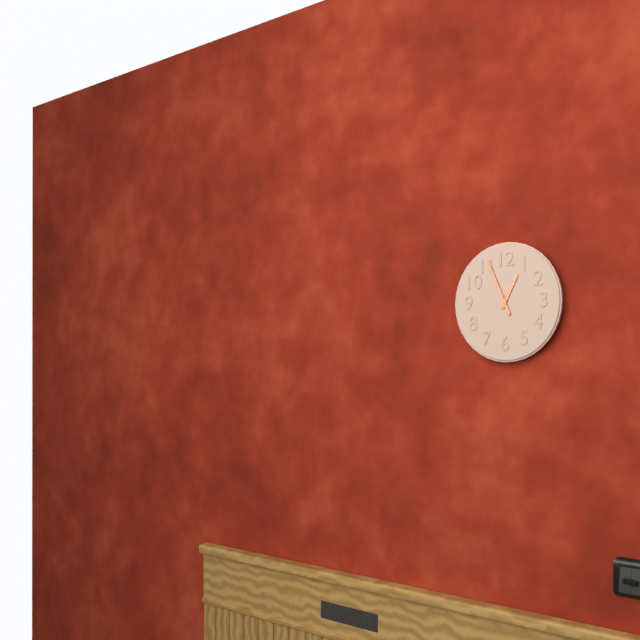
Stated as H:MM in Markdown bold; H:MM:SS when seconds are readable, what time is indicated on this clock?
**12:56**
